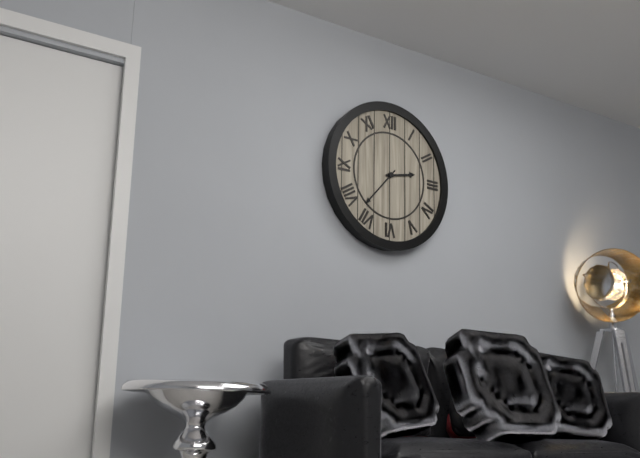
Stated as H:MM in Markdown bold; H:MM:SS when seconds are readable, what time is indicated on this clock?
**2:37**
